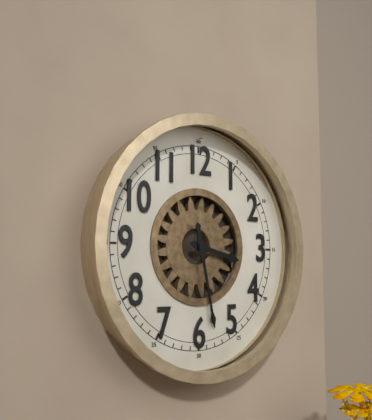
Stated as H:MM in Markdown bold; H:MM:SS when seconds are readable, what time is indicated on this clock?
**3:28**
